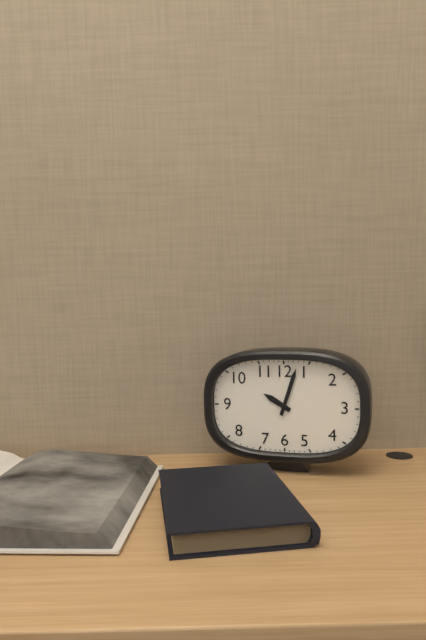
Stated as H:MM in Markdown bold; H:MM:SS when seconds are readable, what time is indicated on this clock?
**10:03**
